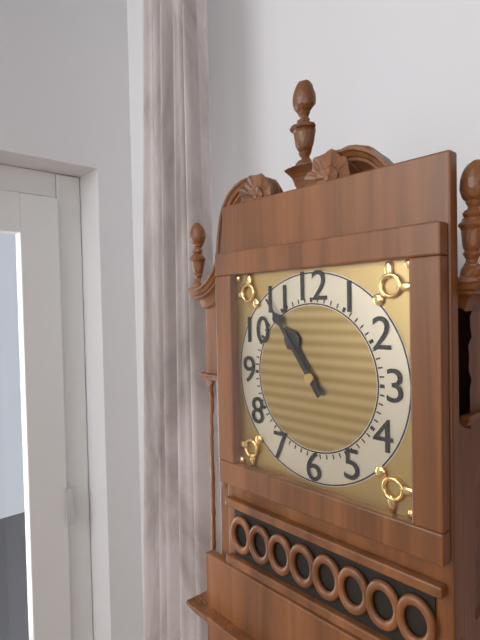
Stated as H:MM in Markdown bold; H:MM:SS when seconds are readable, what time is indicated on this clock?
**10:54**
